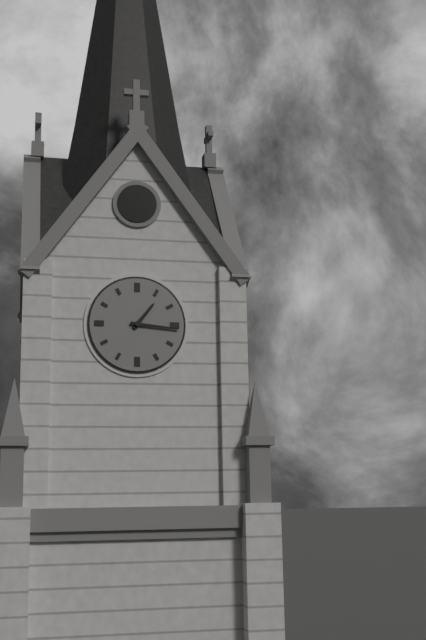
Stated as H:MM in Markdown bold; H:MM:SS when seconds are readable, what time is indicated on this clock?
**1:16**
